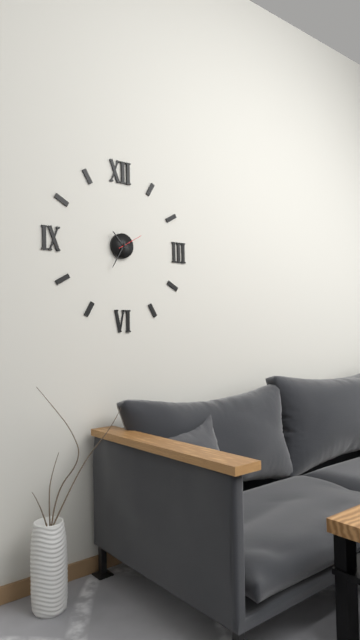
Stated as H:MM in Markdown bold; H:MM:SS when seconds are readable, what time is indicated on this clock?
**10:35**
